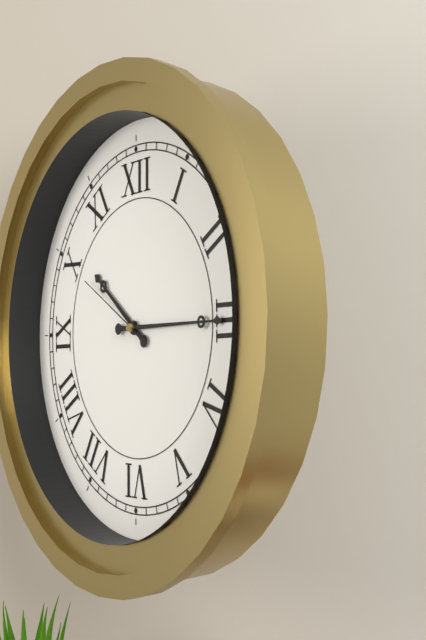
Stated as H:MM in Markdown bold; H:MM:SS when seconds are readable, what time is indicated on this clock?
**10:15:50**
